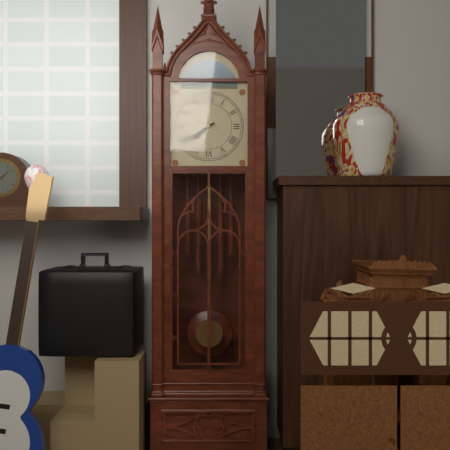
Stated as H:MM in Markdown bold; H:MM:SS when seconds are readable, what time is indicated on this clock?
**7:40**
